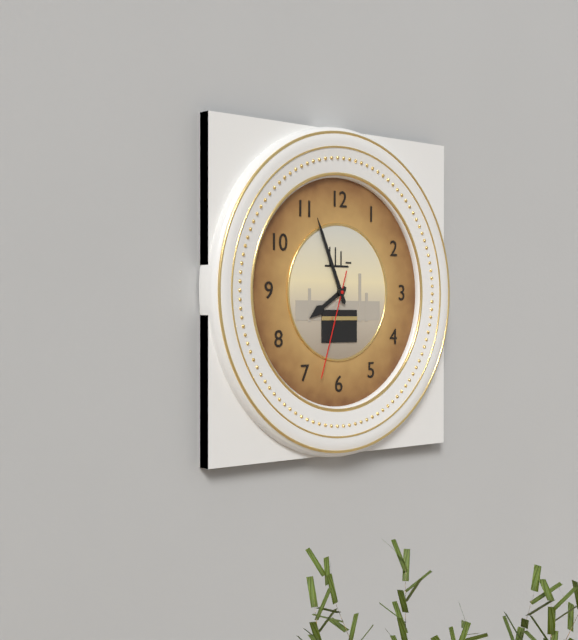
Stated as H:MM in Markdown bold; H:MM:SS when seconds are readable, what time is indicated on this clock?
**7:56:33**
